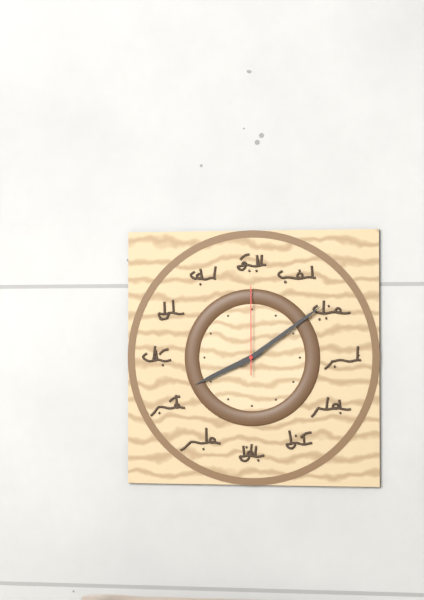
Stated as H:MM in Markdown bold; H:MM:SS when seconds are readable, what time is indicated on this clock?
**8:09:00**
